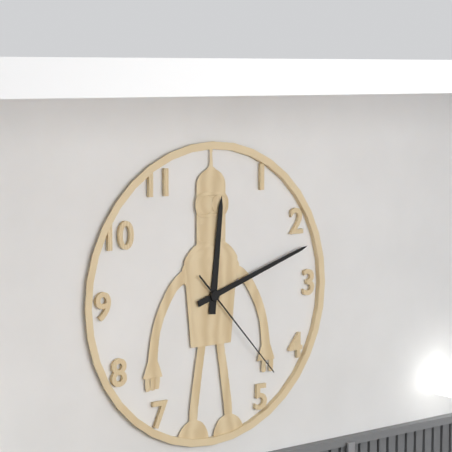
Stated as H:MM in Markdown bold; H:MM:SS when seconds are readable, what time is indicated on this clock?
**12:12:23**
